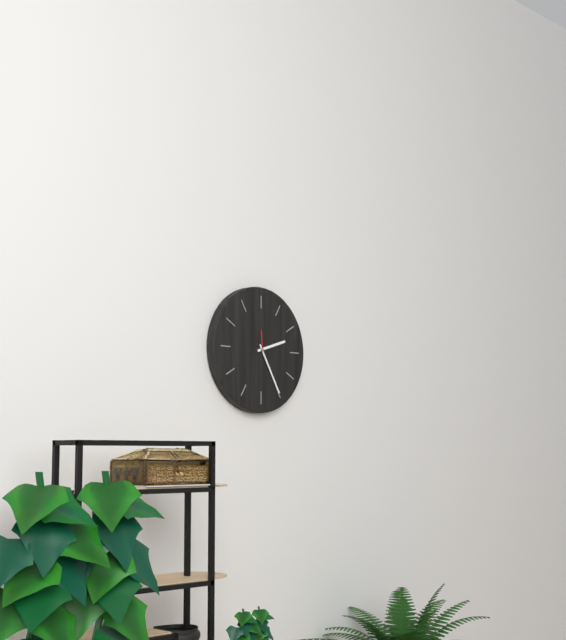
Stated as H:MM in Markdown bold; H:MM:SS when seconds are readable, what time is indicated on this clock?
**2:25**
